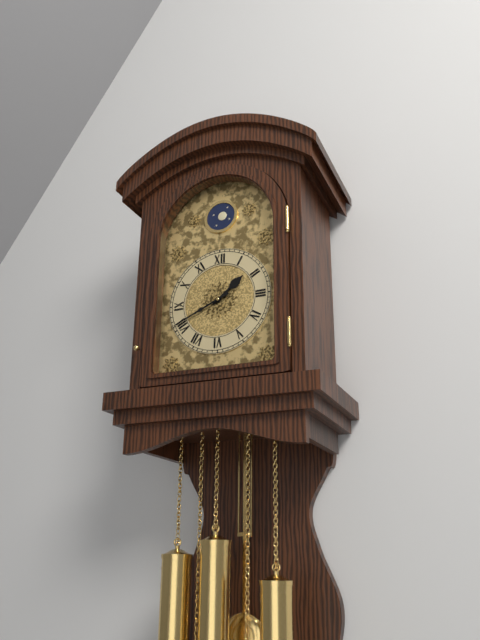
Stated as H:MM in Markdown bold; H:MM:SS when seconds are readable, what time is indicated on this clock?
**1:41**
